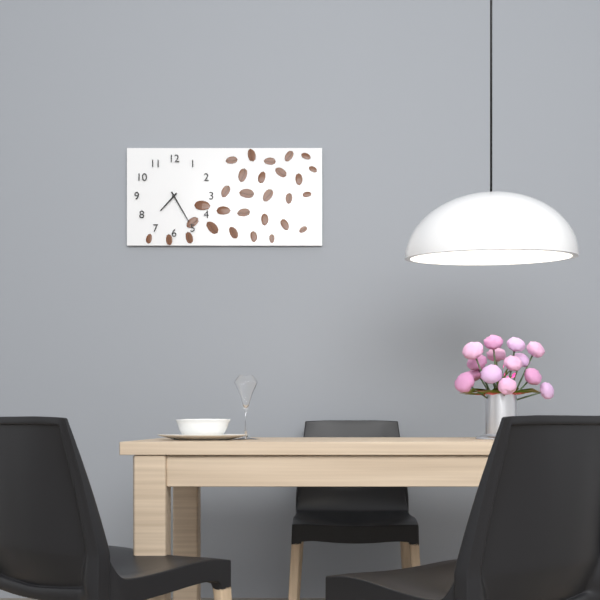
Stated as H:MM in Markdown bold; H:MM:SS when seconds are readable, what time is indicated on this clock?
**7:25**
